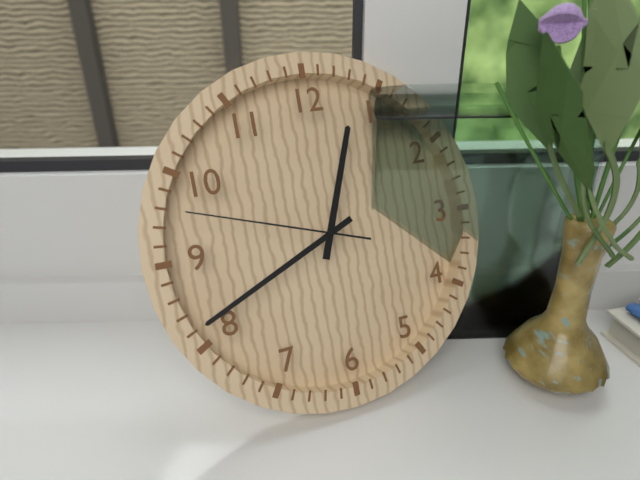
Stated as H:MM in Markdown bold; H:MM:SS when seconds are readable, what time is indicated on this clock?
**12:41:48**
